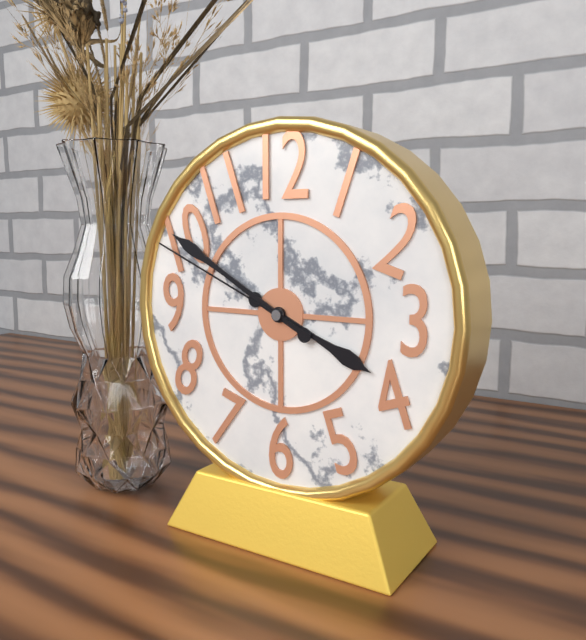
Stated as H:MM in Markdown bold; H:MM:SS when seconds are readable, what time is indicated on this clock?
**3:50:49**
